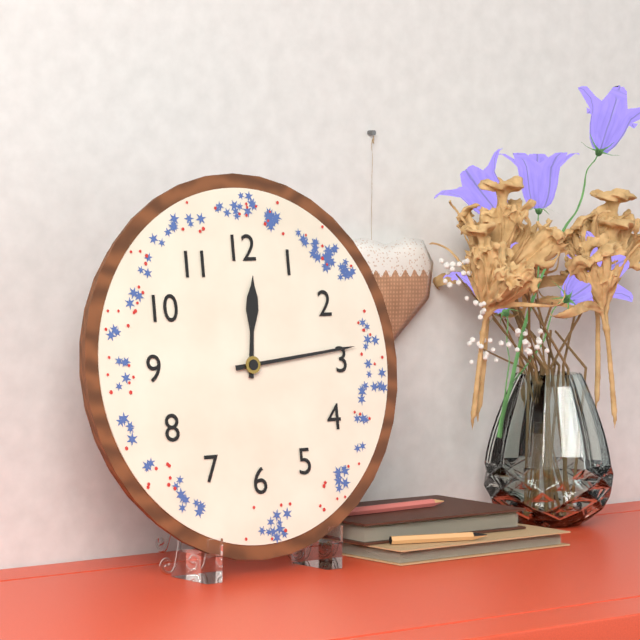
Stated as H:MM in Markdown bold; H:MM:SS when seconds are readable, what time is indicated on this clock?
**12:14**
